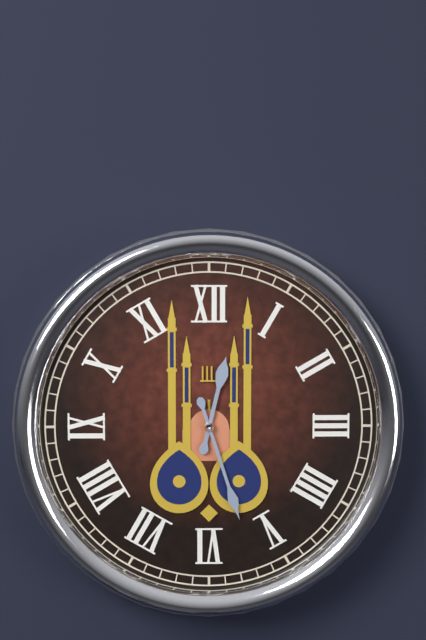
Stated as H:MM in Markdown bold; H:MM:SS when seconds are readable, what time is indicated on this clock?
**12:27**
